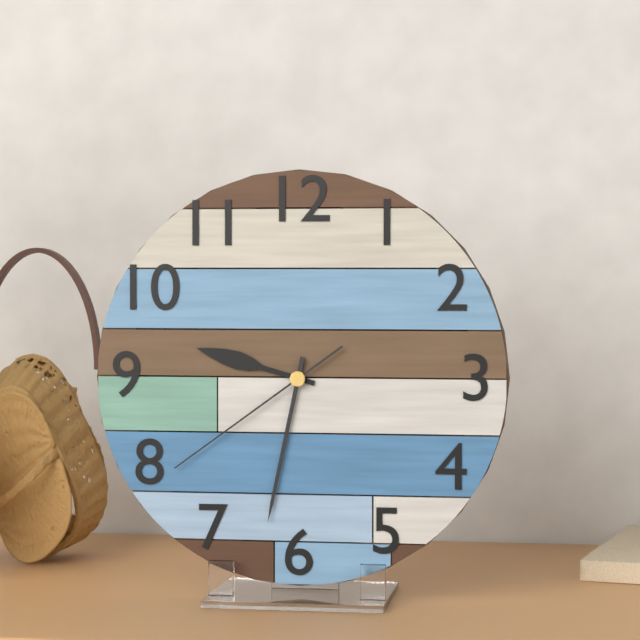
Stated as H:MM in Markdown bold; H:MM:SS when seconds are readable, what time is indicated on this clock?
**9:32:39**
